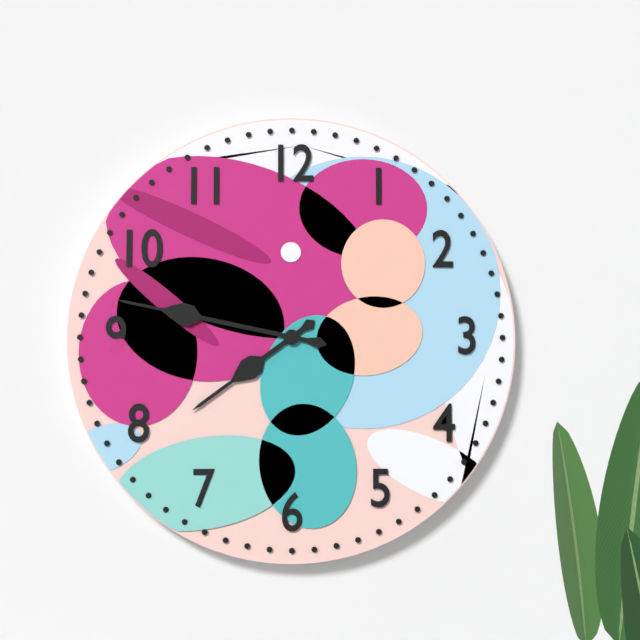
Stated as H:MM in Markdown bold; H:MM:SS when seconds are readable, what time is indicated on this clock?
**7:47**
